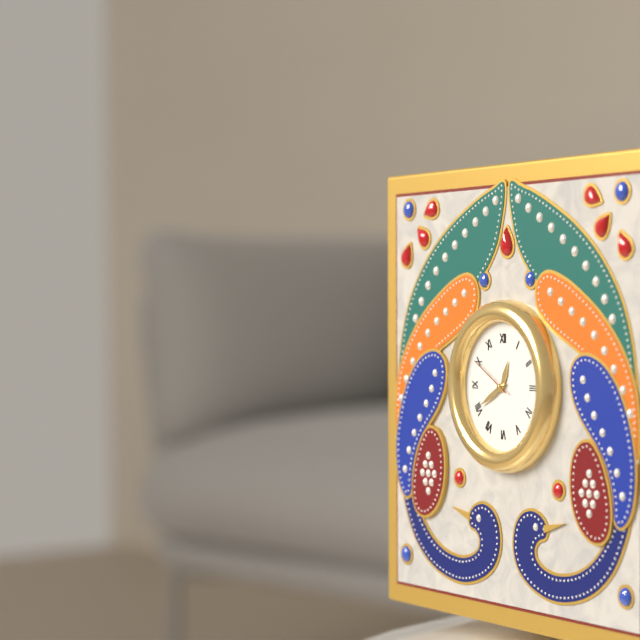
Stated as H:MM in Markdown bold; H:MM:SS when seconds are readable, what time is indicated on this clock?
**12:40:50**
